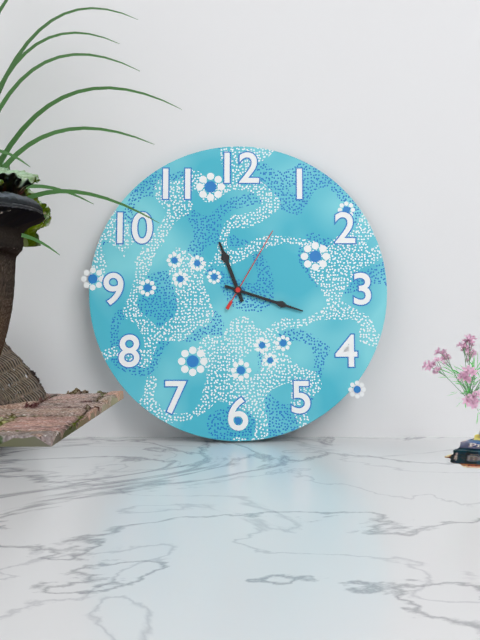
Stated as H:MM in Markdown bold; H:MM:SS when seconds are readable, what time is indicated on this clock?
**11:18:05**
